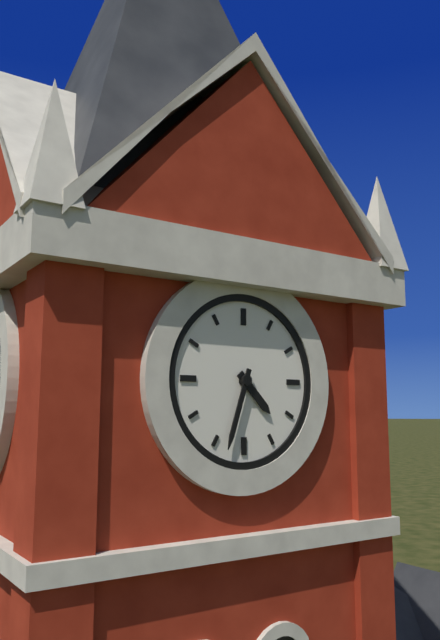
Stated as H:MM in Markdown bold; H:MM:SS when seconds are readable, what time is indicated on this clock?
**4:33**
